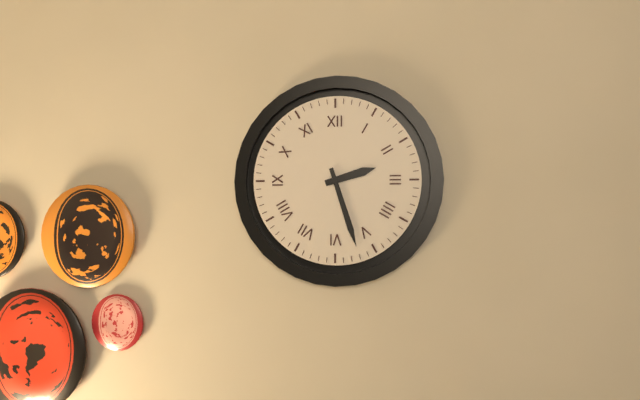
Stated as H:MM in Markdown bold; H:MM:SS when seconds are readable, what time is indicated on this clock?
**2:27**
